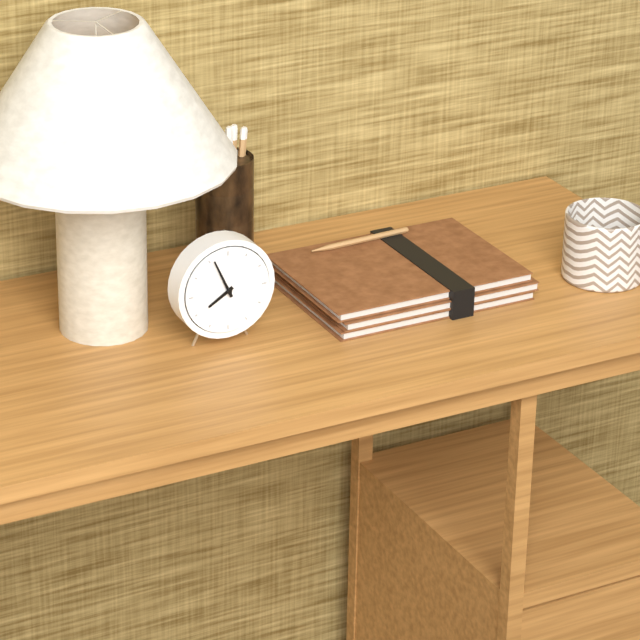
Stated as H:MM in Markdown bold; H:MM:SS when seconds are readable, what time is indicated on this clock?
**7:56**
